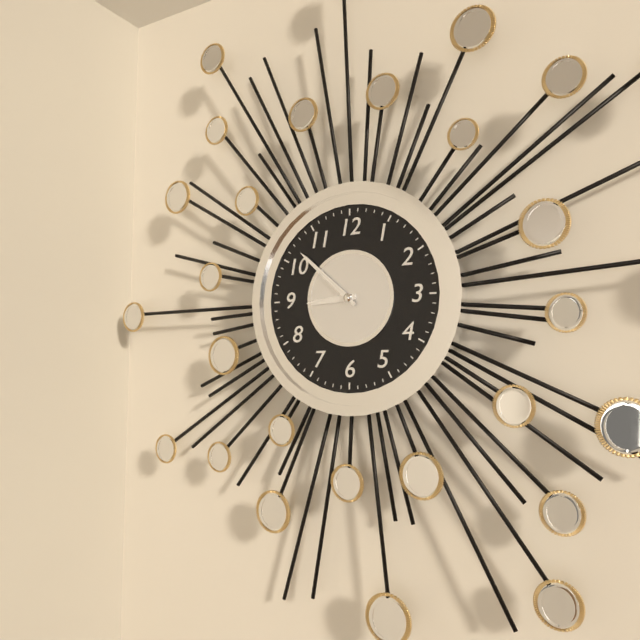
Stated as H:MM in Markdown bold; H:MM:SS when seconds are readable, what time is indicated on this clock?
**8:52**
